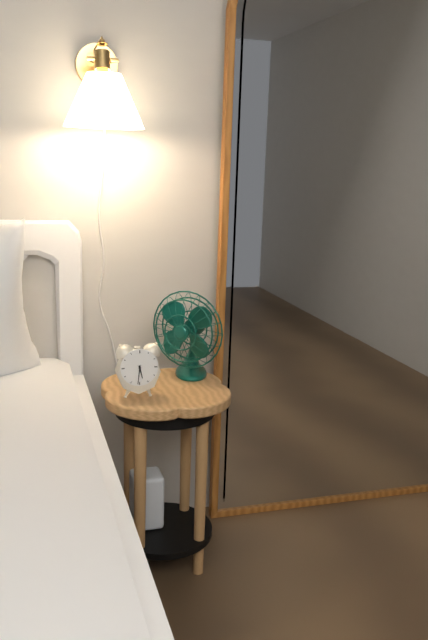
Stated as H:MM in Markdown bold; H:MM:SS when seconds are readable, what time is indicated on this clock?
**5:31**
